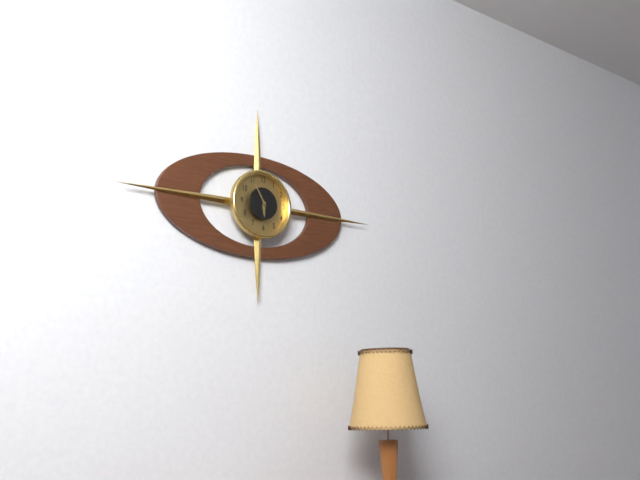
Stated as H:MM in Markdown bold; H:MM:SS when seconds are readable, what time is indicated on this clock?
**5:55**
